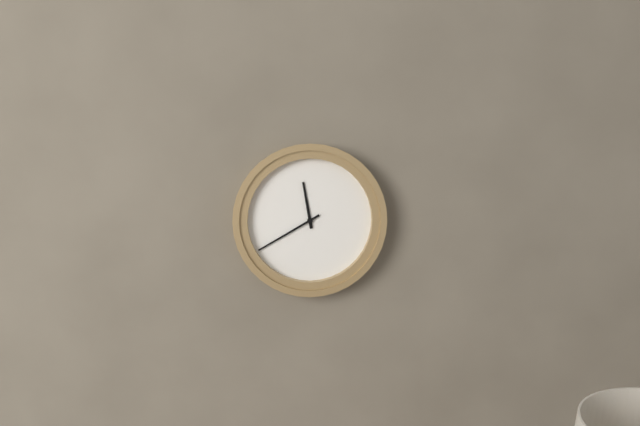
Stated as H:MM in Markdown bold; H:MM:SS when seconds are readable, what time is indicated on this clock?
**11:40**
